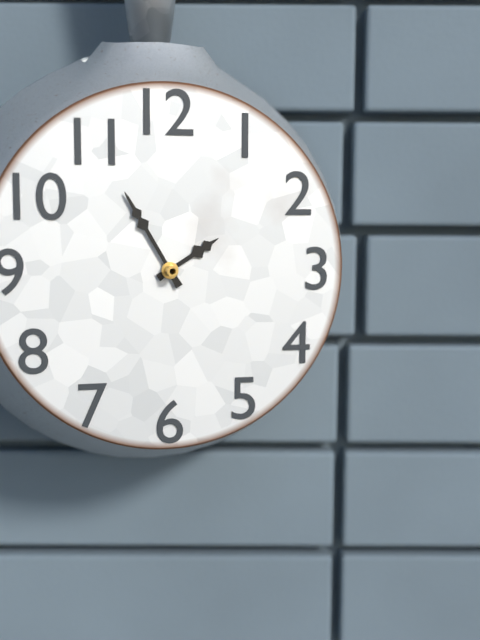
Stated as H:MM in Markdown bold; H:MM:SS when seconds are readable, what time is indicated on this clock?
**1:55**
